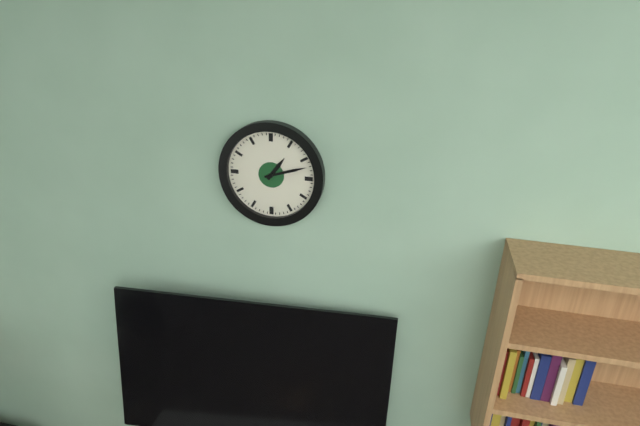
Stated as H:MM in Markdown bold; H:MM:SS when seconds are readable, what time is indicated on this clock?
**1:12**
